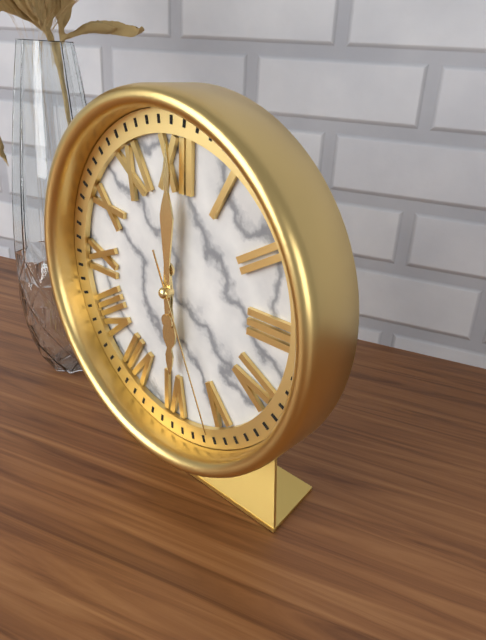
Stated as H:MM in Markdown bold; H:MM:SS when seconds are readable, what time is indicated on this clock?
**6:00:26**
